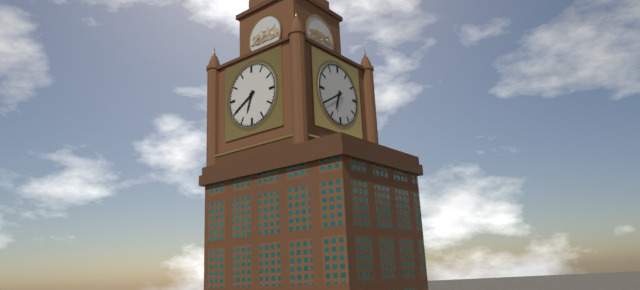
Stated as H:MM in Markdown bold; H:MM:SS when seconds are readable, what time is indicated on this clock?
**6:40**
